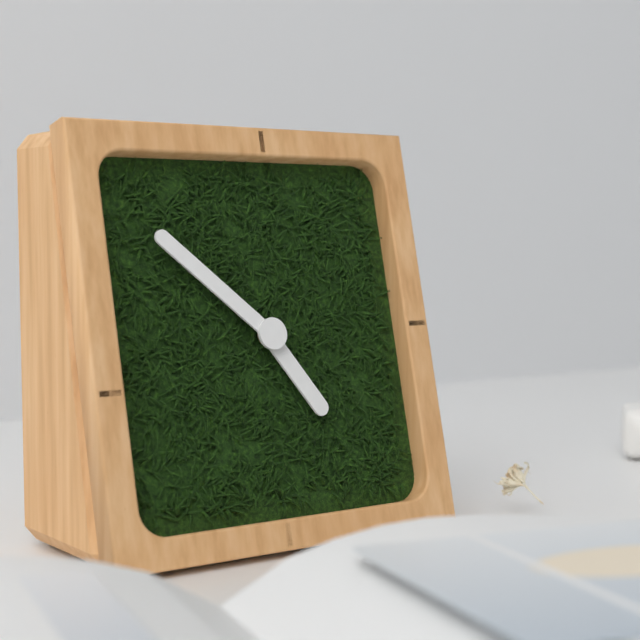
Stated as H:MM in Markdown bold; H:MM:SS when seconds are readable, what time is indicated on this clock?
**4:52**
